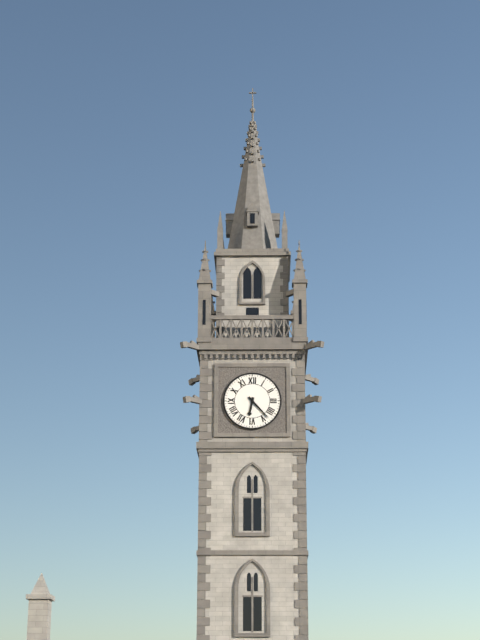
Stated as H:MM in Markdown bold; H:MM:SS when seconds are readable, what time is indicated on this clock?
**6:23**
